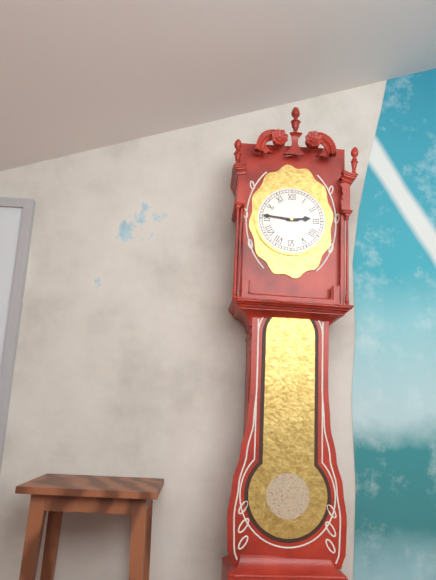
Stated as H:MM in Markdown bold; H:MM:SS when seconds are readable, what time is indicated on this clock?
**2:46**
